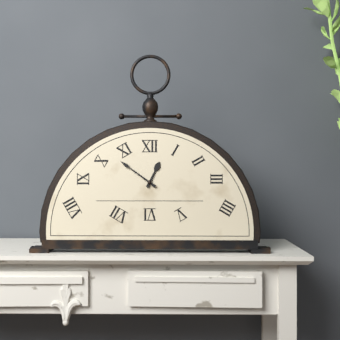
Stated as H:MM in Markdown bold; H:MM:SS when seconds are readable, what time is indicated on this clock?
**12:51**
